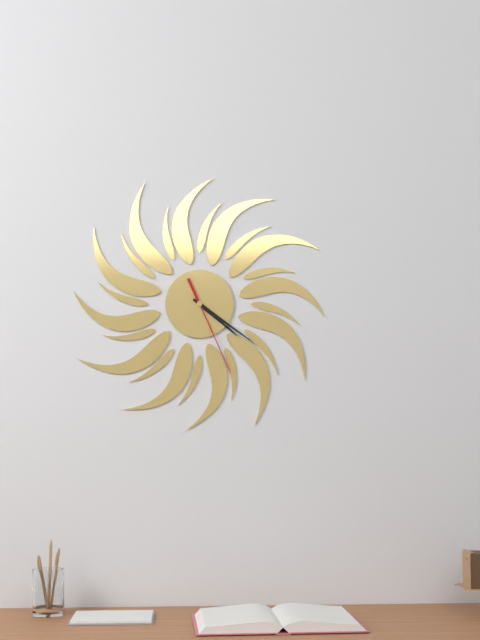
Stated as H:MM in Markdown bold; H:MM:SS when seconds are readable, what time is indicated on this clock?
**4:21:26**
